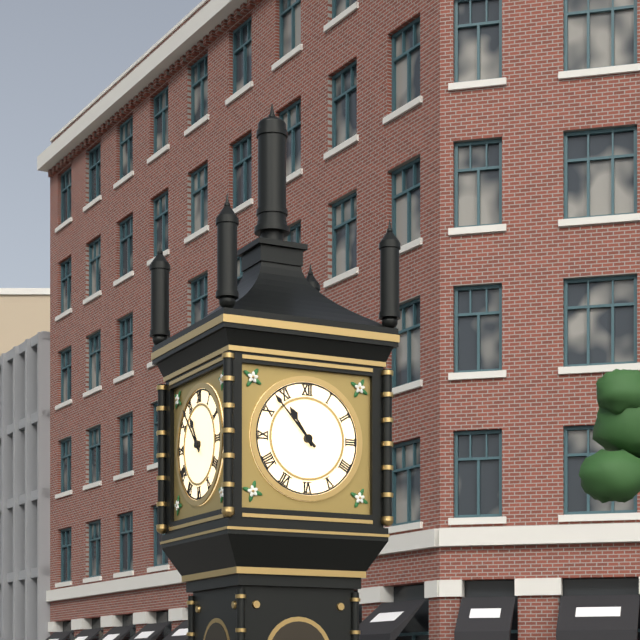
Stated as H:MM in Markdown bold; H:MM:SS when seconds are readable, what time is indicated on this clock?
**10:53**
